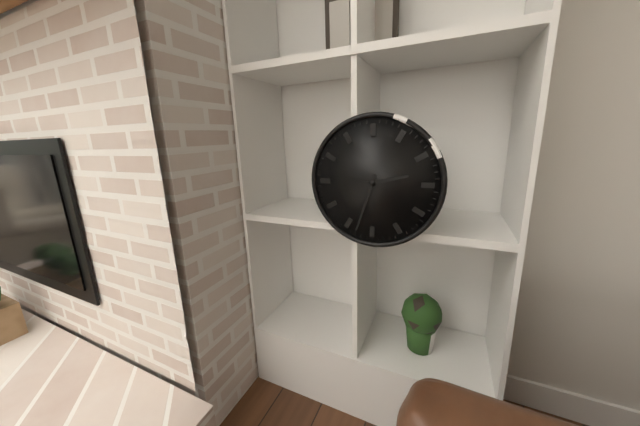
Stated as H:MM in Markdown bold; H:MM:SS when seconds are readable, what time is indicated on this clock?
**2:33**
